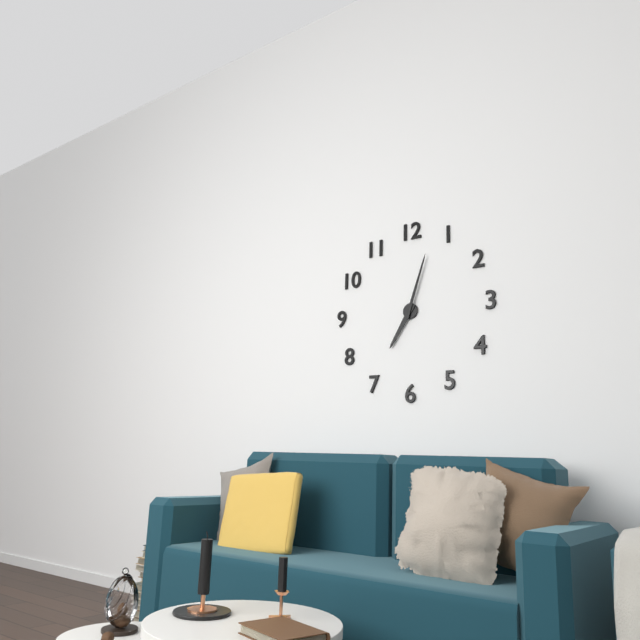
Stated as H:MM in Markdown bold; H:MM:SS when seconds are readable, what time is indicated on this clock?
**7:03**
